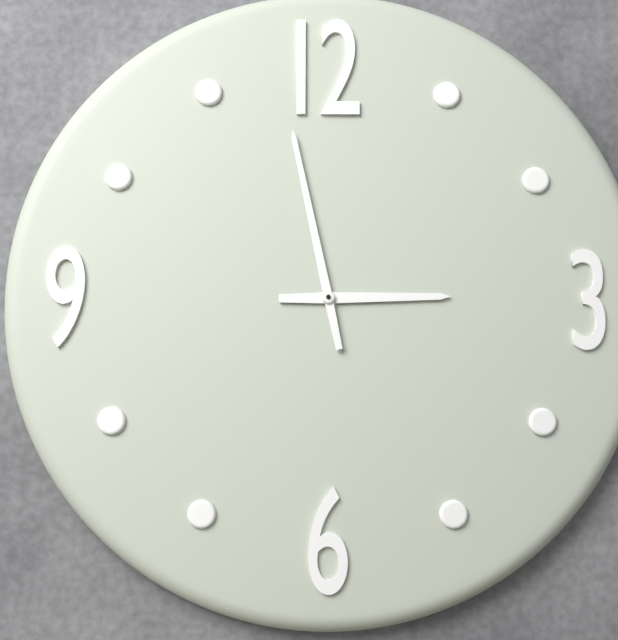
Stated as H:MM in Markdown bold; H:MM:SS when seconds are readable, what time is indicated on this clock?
**2:58**
